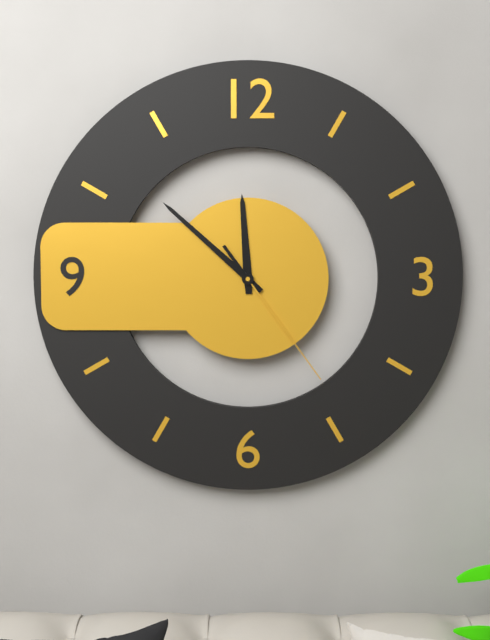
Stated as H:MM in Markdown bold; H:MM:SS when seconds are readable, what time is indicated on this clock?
**11:52:24**
